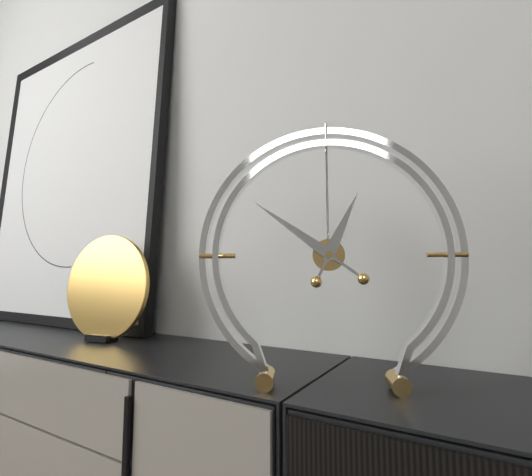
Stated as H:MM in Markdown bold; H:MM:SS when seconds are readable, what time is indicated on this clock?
**12:51**
